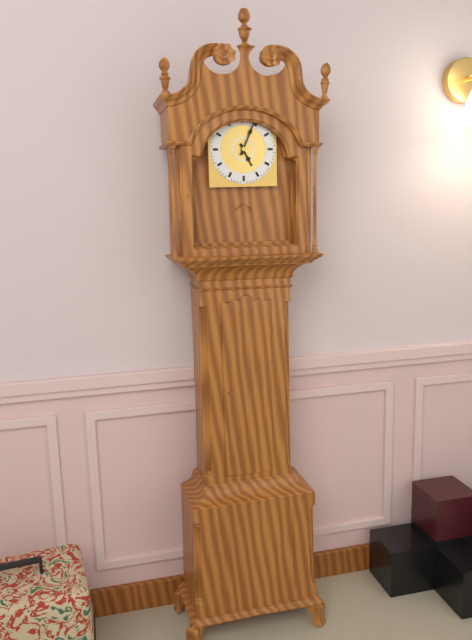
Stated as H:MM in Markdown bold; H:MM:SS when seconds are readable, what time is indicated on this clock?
**5:04**
